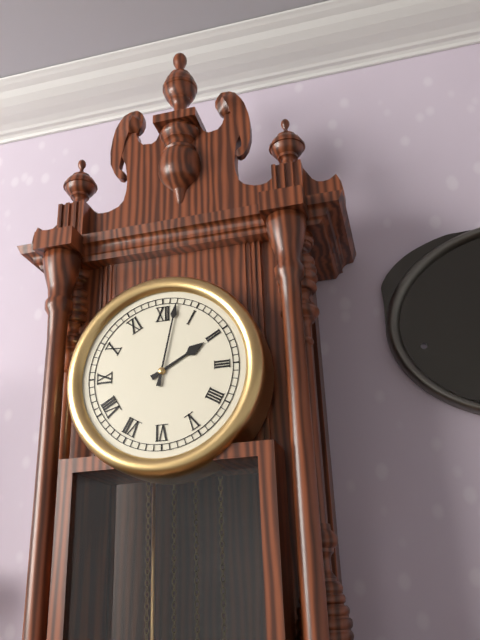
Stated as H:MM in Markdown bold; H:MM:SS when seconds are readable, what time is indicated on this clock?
**2:02**
